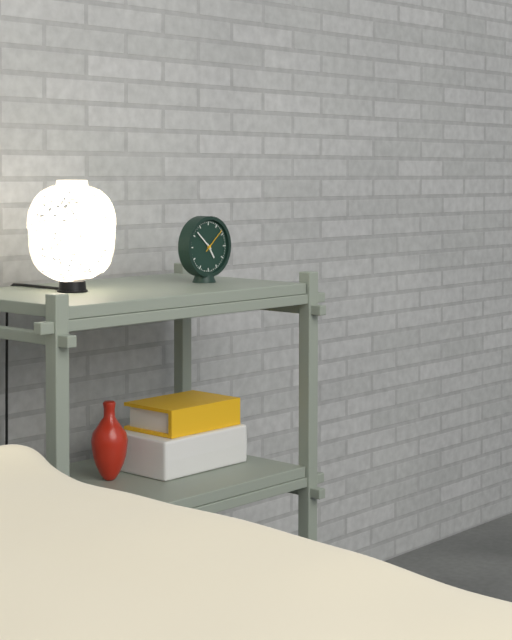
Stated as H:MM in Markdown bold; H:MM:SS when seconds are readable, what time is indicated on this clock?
**4:52**
